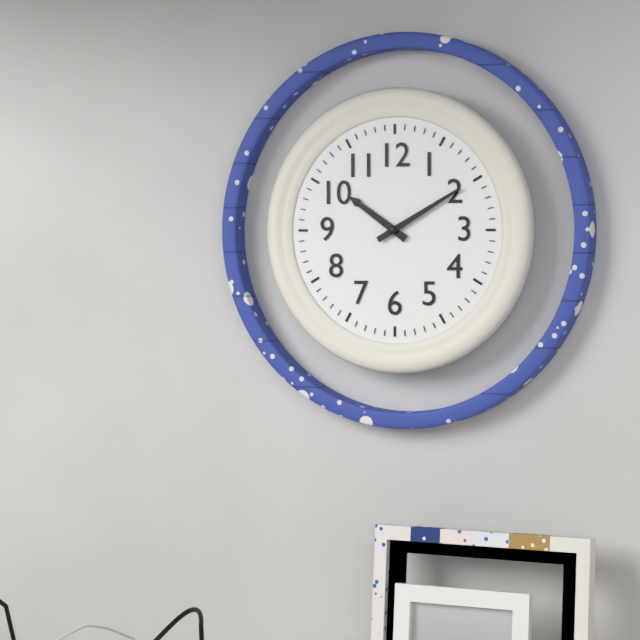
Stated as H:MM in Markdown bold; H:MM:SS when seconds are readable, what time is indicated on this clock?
**10:10**
